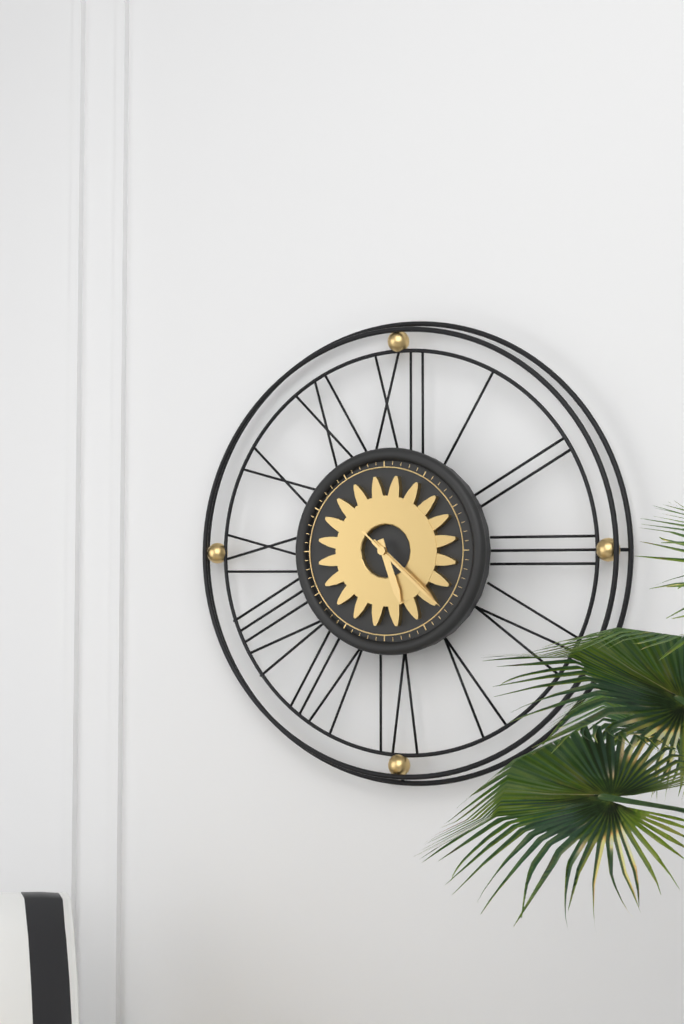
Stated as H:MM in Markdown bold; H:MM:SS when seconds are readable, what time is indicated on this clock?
**5:22:22**
